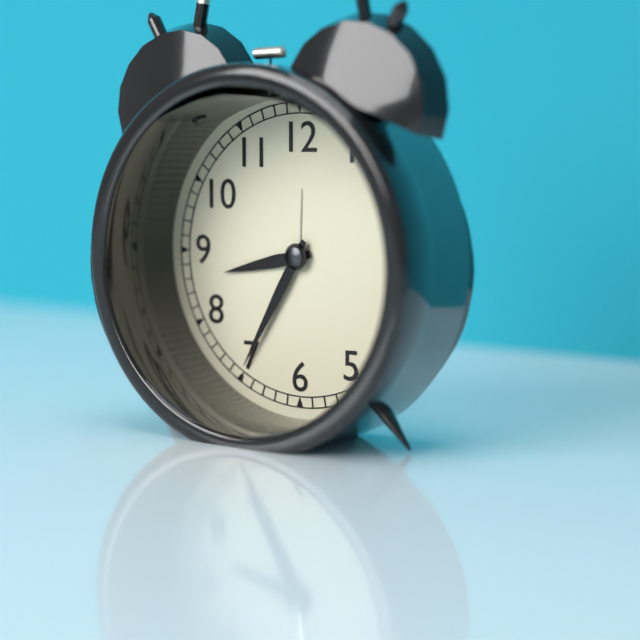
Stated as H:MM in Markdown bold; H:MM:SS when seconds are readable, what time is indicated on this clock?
**8:35**
